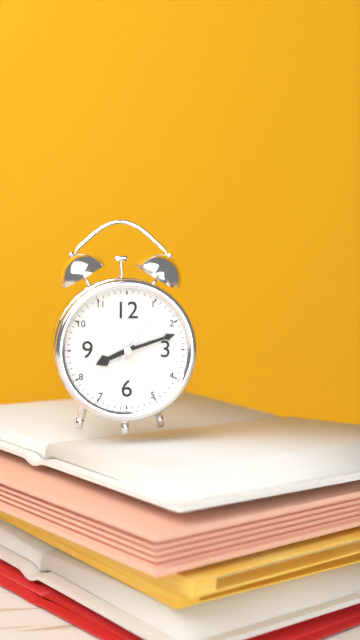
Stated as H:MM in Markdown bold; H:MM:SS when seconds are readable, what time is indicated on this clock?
**8:12:06**
